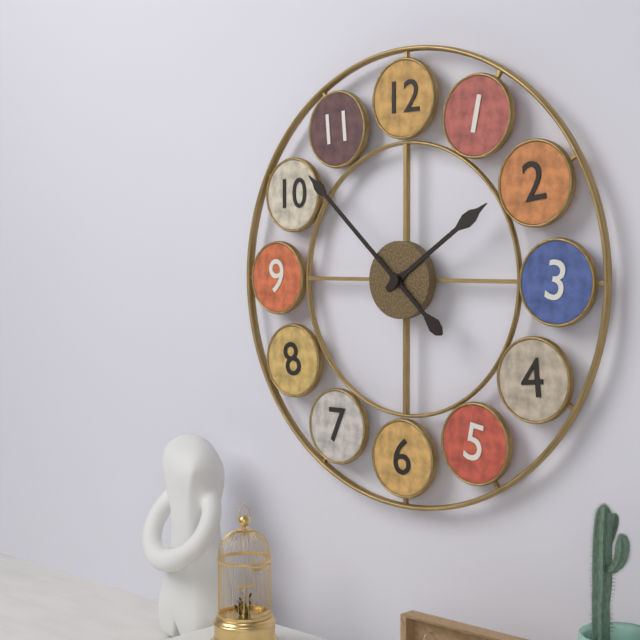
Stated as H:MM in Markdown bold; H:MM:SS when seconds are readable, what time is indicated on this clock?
**1:52**
